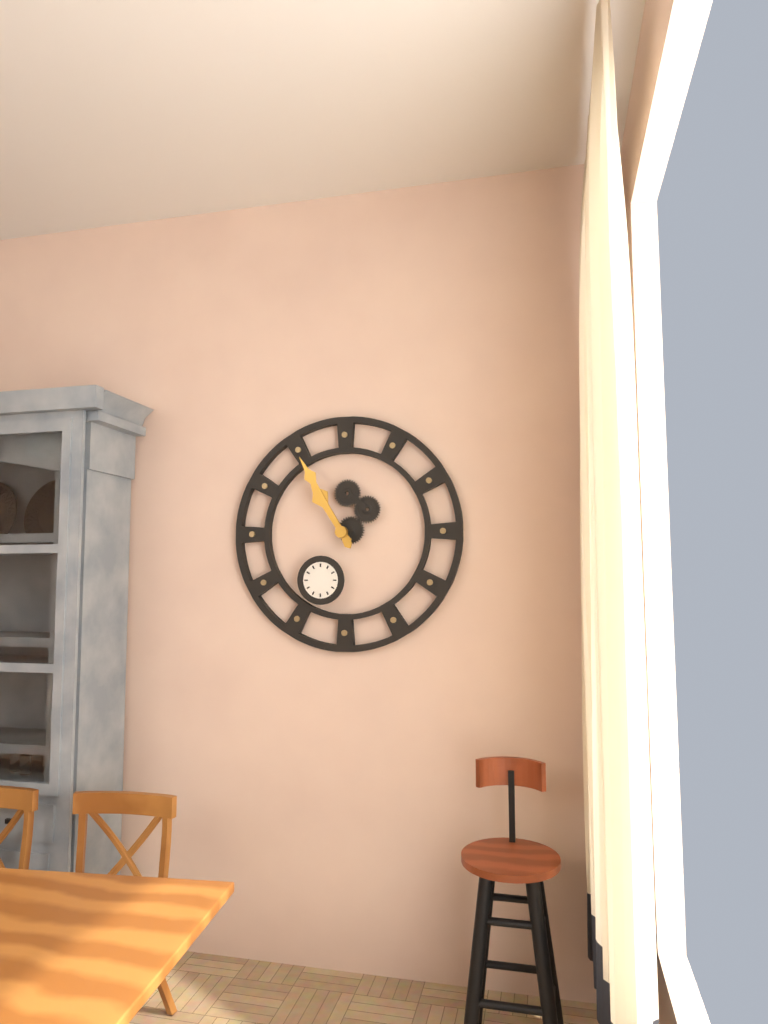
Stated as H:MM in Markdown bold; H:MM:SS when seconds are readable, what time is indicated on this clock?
**10:55**
